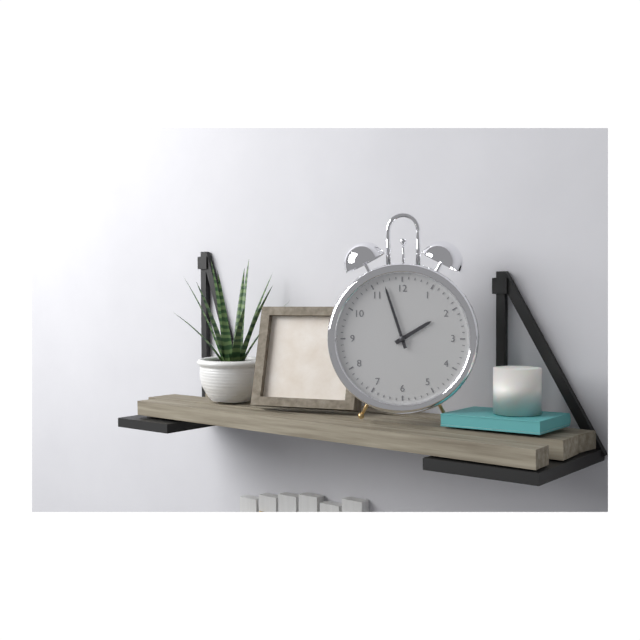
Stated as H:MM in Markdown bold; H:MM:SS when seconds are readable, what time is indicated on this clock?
**1:57**
